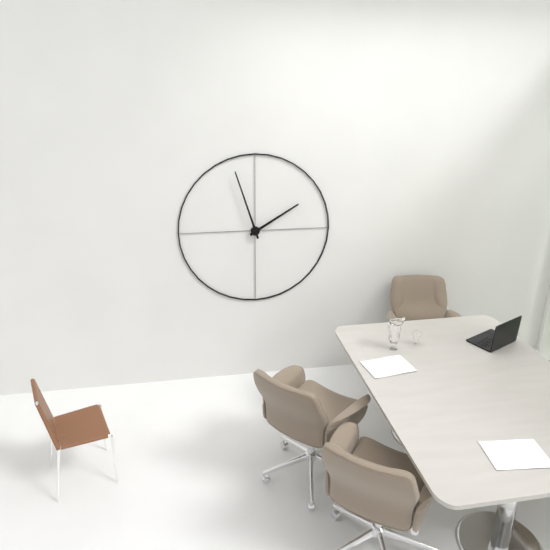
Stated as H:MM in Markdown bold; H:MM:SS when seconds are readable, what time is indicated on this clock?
**1:57**
